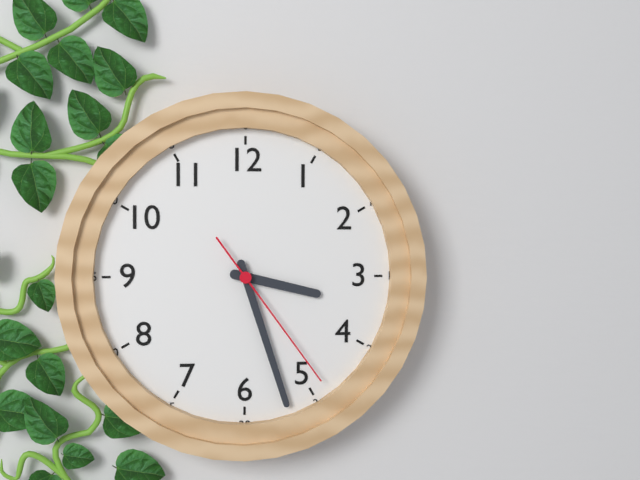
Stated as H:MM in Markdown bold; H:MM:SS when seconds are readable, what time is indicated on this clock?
**3:27:24**
